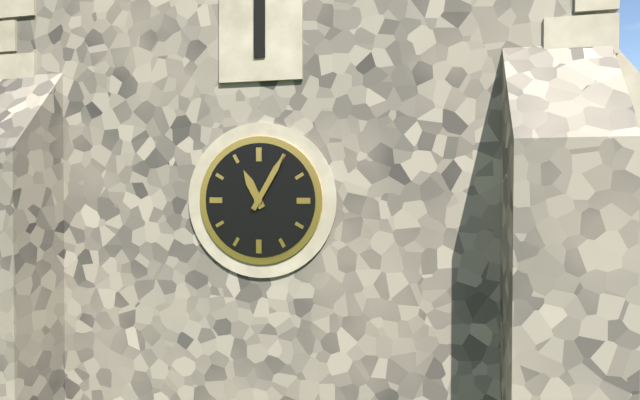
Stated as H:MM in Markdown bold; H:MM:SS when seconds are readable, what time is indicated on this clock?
**11:05**
